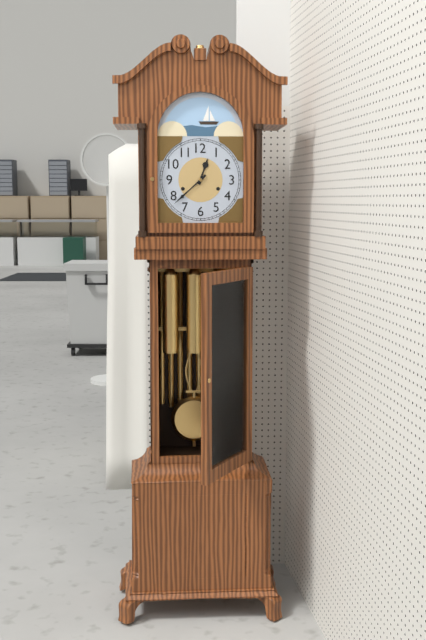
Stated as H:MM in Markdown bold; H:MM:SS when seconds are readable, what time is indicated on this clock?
**12:38**
